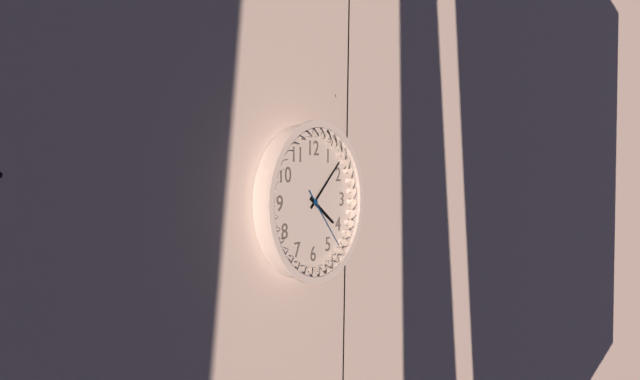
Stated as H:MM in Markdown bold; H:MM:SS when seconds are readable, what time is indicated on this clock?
**4:08:23**
